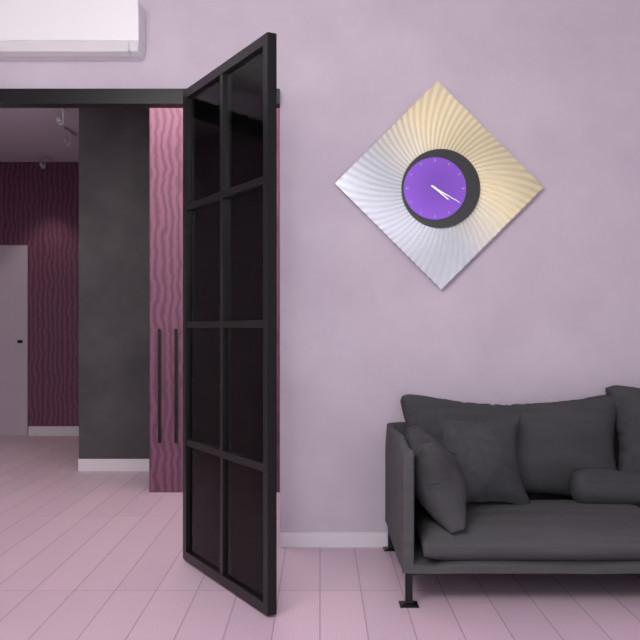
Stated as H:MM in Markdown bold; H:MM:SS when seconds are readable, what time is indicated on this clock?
**4:20**
